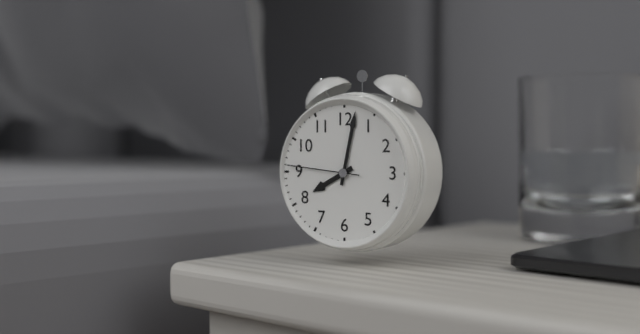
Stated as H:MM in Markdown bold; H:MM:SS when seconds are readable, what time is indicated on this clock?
**8:02:46**
